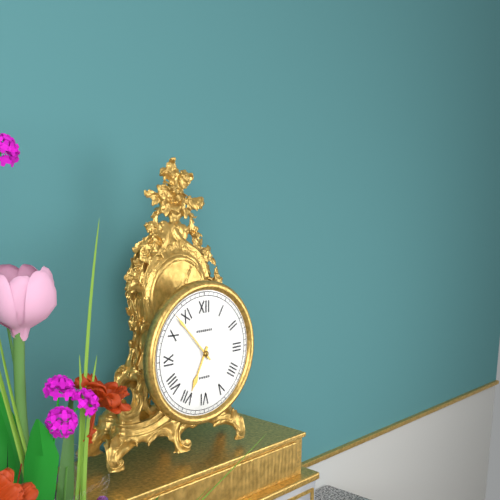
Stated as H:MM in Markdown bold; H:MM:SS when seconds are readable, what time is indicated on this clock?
**6:53**
